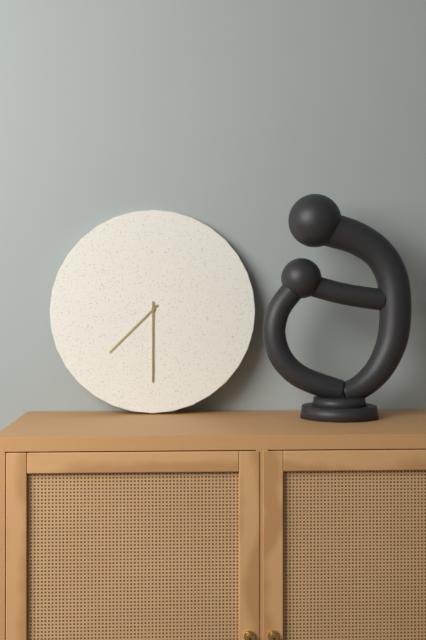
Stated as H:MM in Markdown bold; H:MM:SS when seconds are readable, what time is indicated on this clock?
**7:30**
